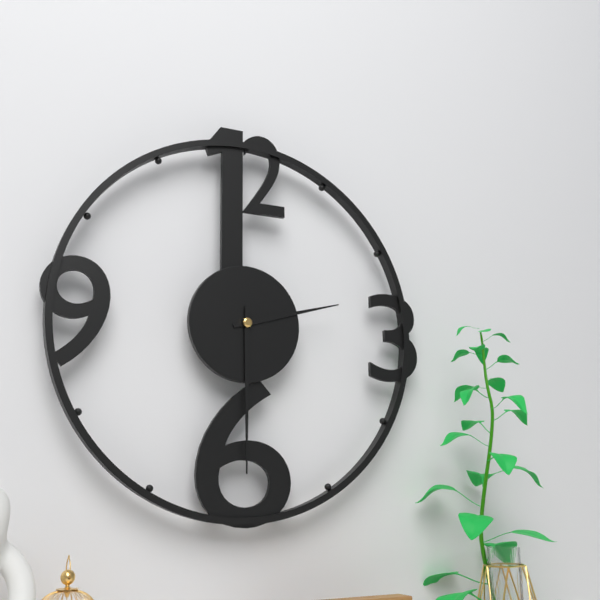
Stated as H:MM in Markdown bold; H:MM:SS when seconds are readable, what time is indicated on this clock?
**2:30**
